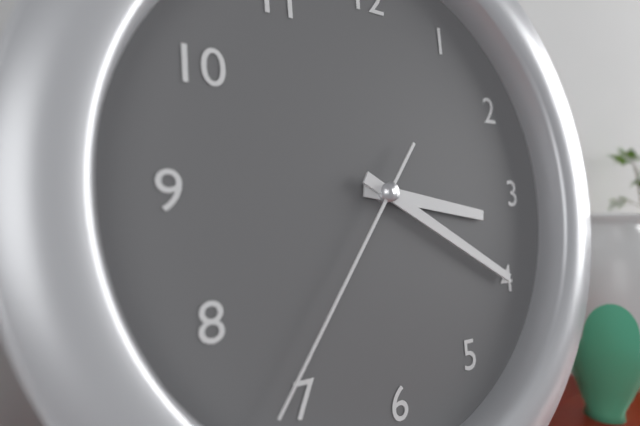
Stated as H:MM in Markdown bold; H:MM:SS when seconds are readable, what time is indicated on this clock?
**3:20:36**
